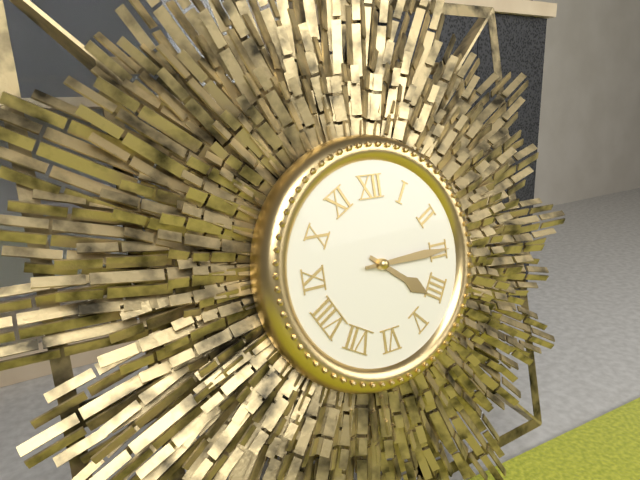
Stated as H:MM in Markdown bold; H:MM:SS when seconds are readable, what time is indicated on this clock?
**4:15**
